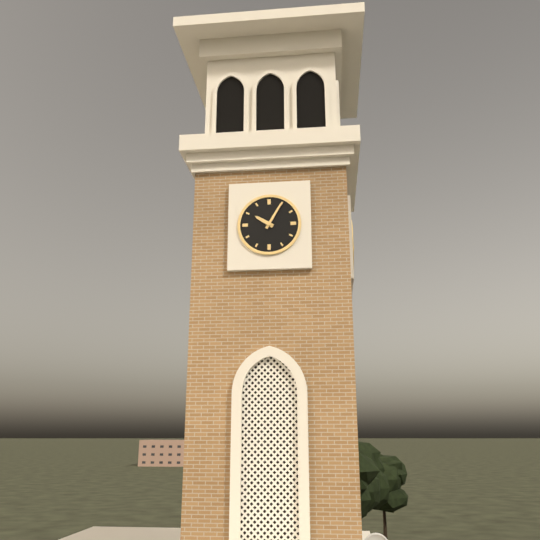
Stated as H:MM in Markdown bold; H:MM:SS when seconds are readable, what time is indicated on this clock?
**10:05**
